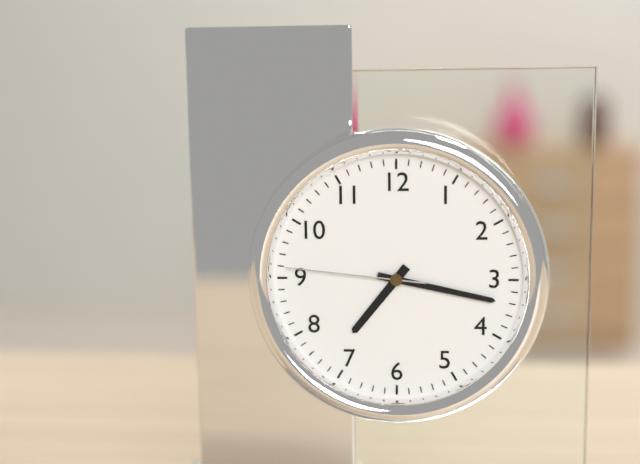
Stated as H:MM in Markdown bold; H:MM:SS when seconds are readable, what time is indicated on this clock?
**7:17:46**
